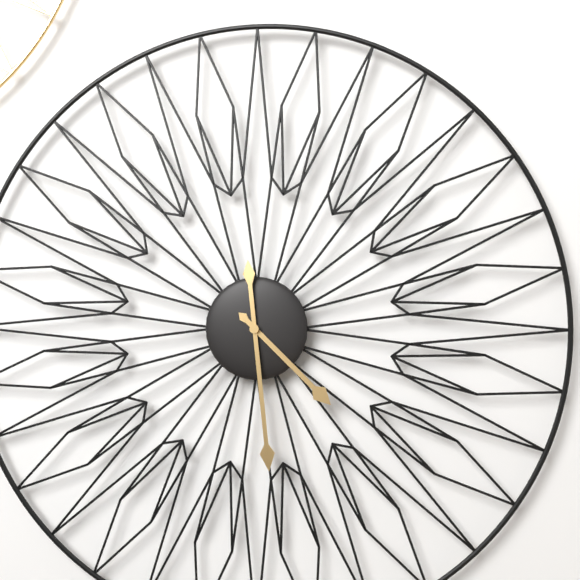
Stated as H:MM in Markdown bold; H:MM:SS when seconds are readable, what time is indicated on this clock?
**4:29**
